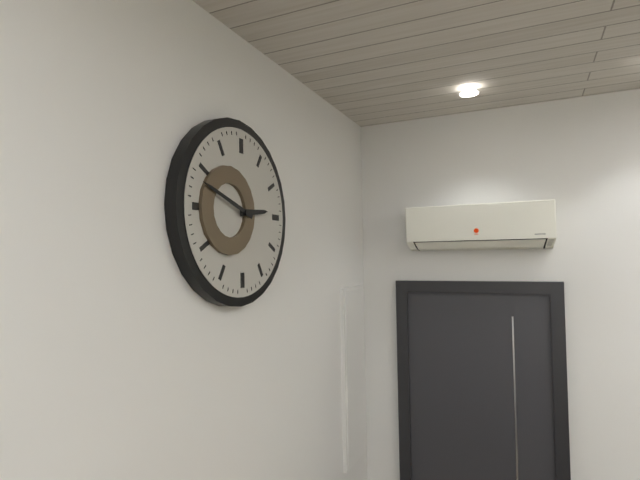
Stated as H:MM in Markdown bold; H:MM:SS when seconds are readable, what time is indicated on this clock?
**2:48**
